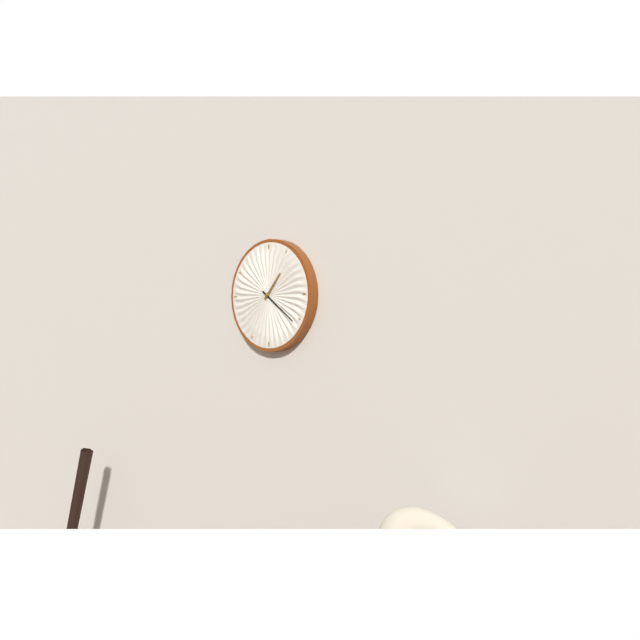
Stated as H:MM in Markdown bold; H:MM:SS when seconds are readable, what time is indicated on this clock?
**1:21**
